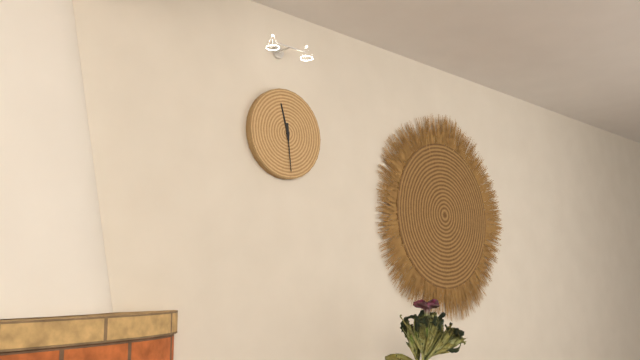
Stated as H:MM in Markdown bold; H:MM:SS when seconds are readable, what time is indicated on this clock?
**11:29**
